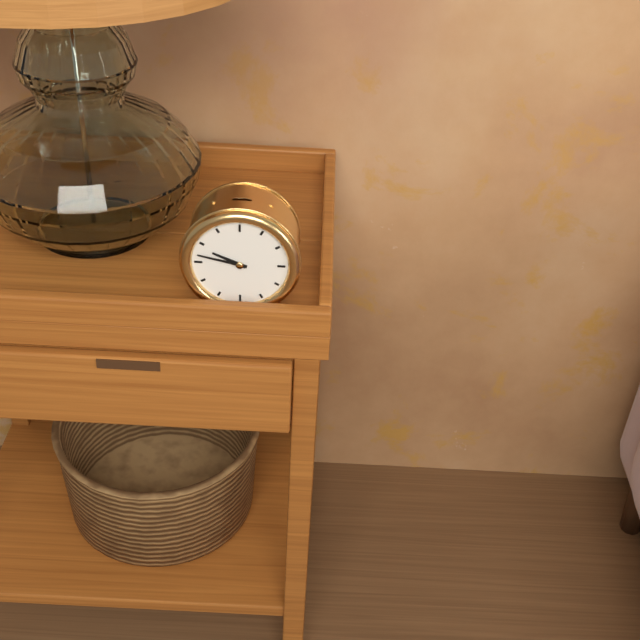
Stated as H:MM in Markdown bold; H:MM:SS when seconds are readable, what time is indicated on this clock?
**9:47**
